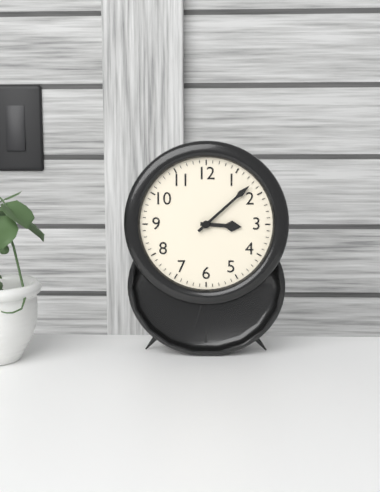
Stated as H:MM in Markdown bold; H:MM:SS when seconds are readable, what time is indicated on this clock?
**3:08**
